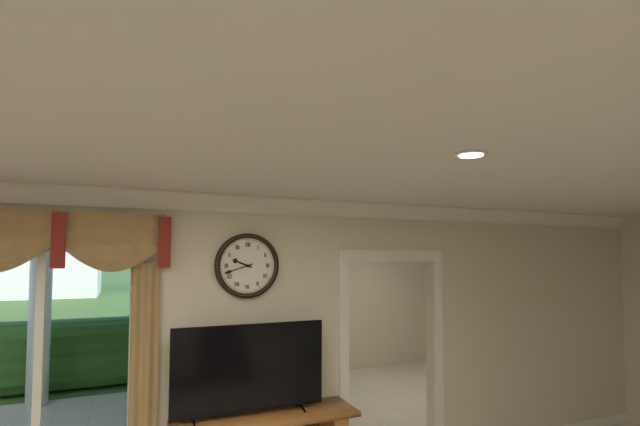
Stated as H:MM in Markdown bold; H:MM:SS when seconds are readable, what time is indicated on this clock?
**9:42**
